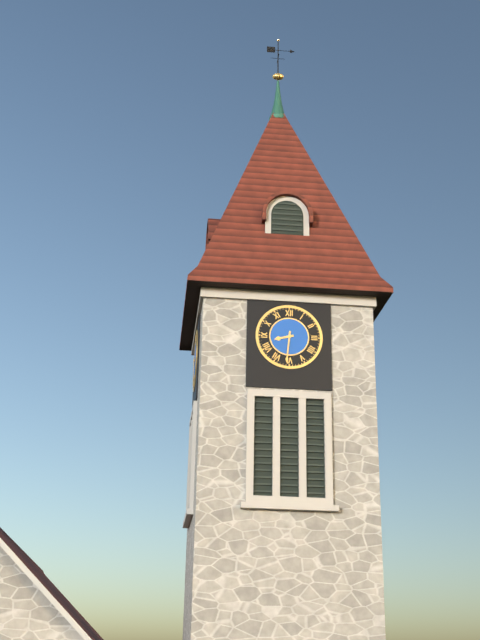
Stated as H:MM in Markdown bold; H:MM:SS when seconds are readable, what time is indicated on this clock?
**8:31**
